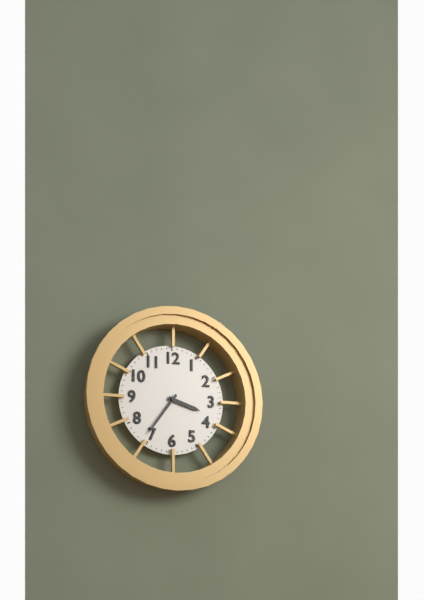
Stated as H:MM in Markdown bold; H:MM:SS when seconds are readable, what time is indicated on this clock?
**3:36**
